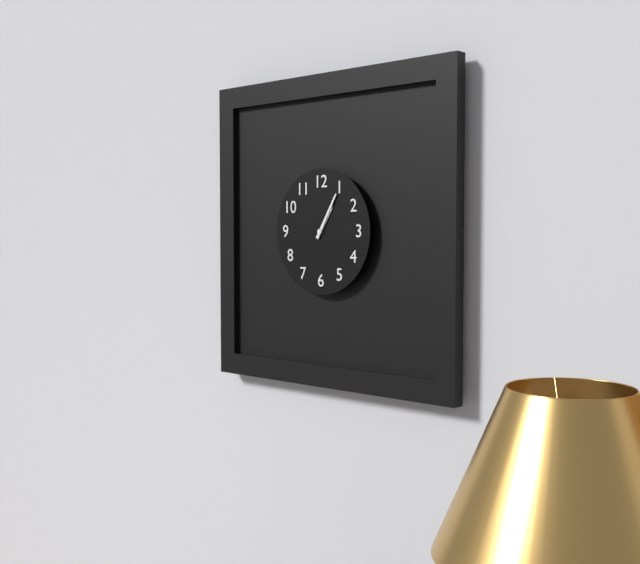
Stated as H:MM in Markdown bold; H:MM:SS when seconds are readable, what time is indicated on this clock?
**1:05**
